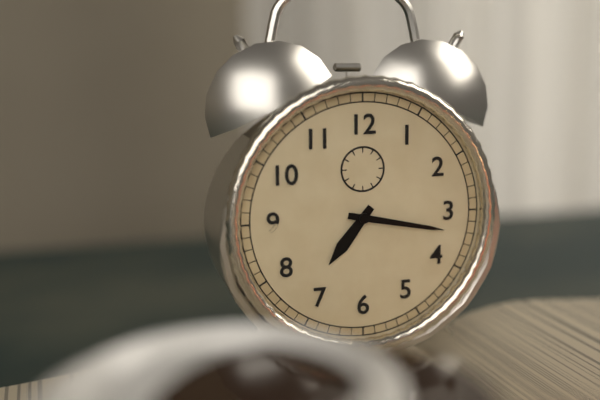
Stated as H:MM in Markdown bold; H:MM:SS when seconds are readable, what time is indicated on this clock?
**7:17**
